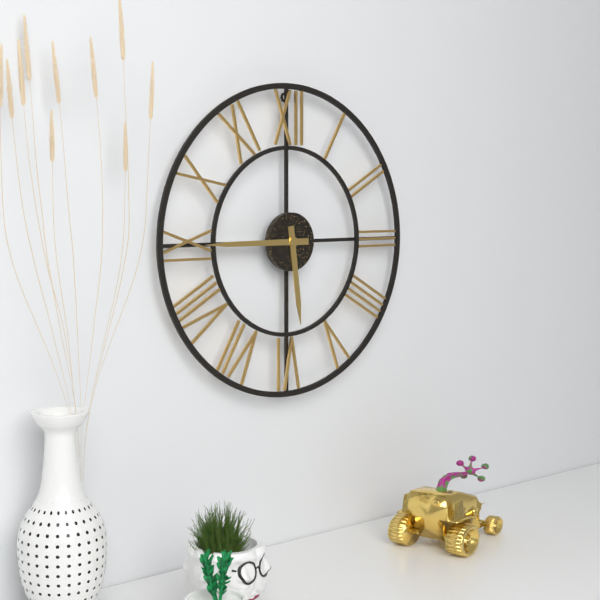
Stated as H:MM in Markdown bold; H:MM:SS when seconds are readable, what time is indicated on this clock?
**5:45**
